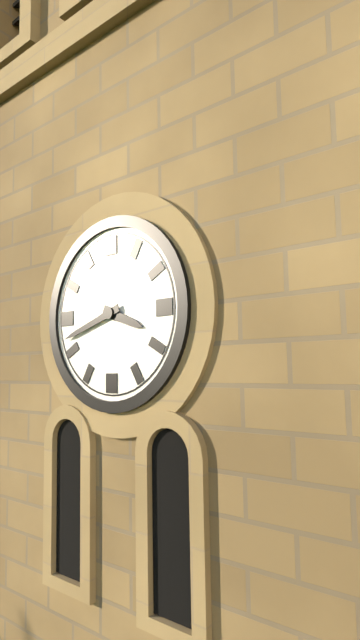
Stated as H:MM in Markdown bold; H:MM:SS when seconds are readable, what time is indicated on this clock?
**3:42**
